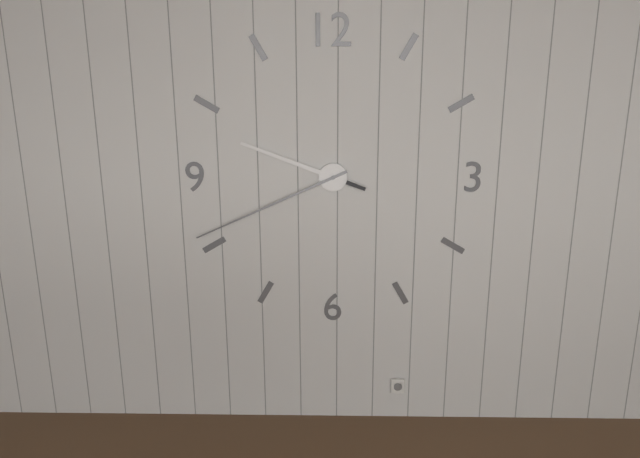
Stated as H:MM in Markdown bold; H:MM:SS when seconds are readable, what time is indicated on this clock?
**9:41**
